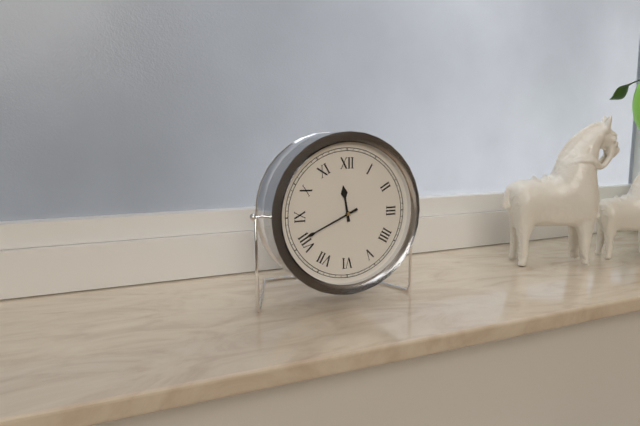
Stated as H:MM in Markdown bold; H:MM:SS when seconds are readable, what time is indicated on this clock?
**11:41**
